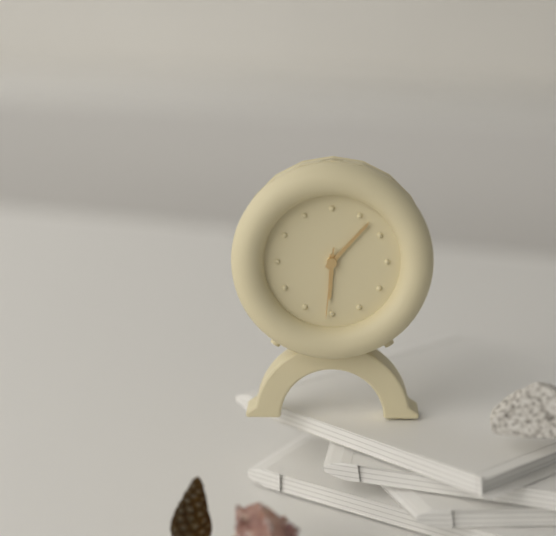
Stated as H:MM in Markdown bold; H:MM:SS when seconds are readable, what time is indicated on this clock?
**6:07:31**
